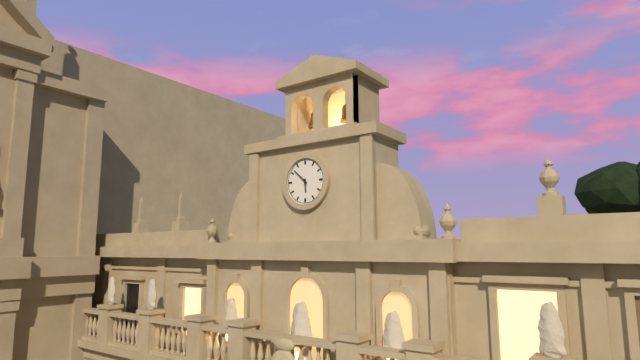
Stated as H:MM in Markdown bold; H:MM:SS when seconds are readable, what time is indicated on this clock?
**5:52**
